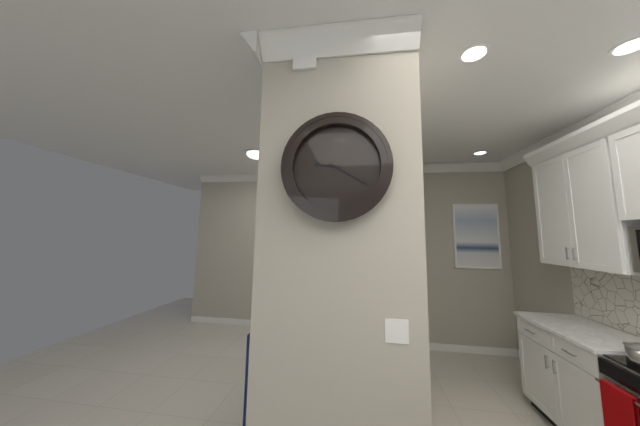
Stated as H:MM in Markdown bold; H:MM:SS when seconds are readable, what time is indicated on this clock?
**9:20**
